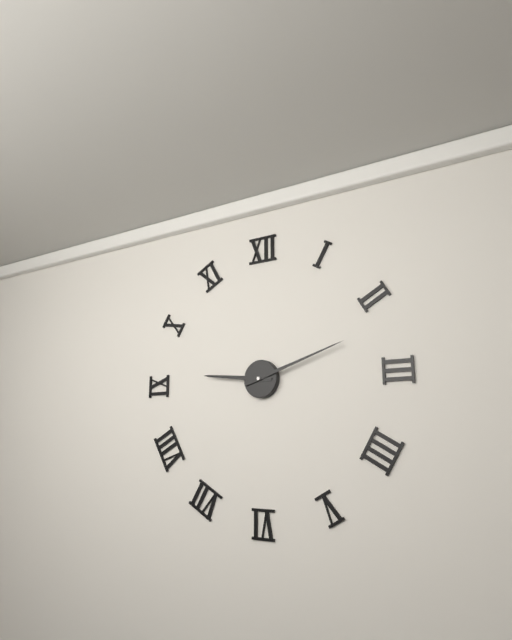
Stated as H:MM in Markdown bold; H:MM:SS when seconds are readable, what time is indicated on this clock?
**9:12**
